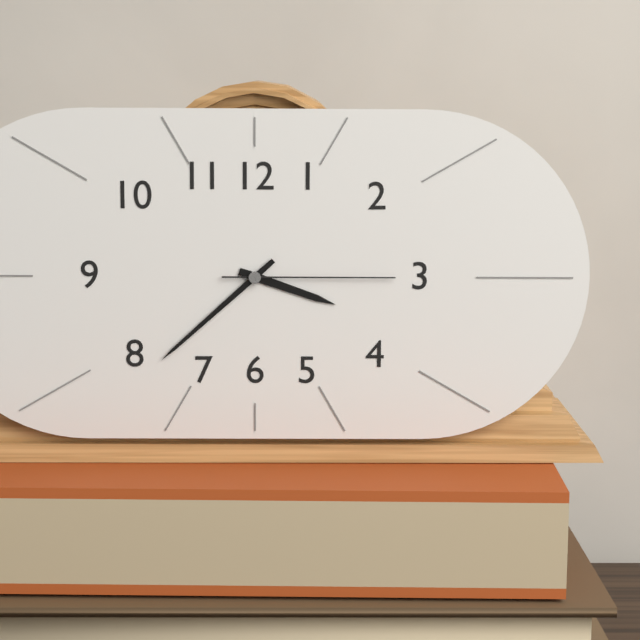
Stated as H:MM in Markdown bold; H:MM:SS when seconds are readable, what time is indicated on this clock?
**3:38:15**
